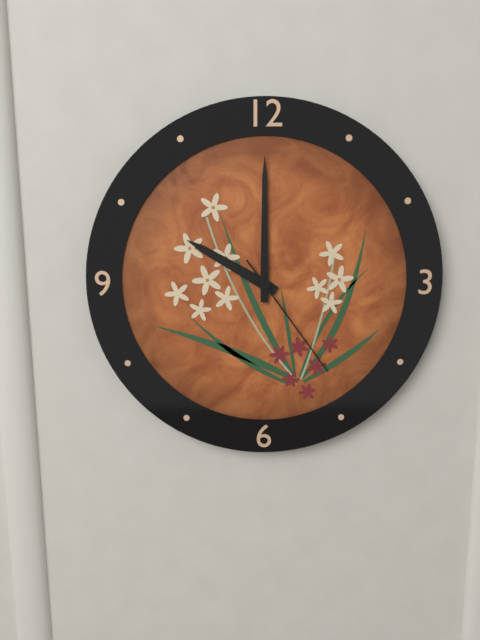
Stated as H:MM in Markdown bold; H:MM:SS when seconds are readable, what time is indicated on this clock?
**10:00:24**
